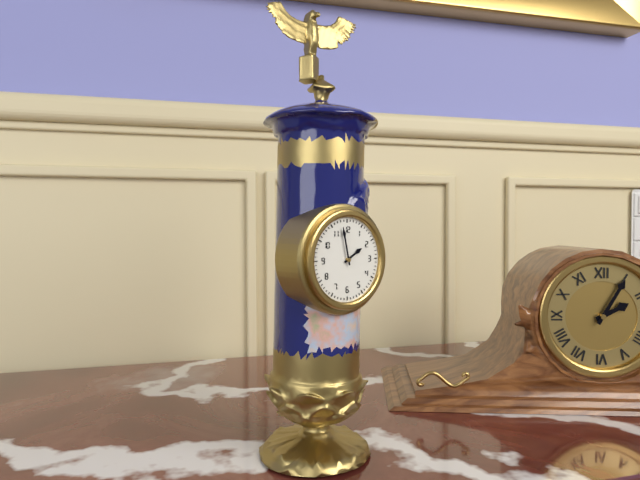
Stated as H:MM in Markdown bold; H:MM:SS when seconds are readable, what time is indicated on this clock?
**1:58**
